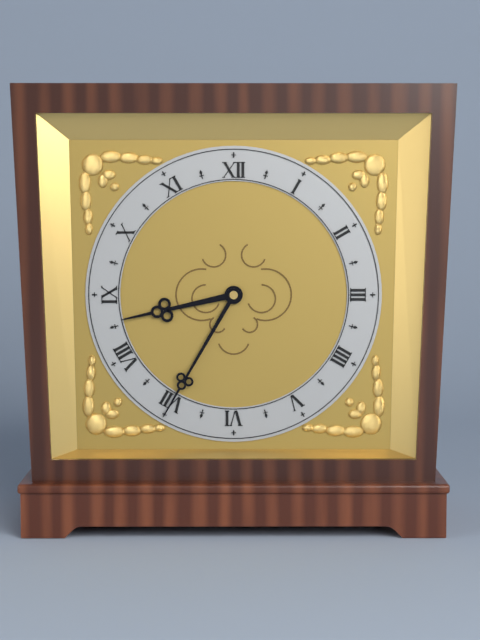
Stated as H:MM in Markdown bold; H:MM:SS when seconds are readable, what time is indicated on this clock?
**8:35**
